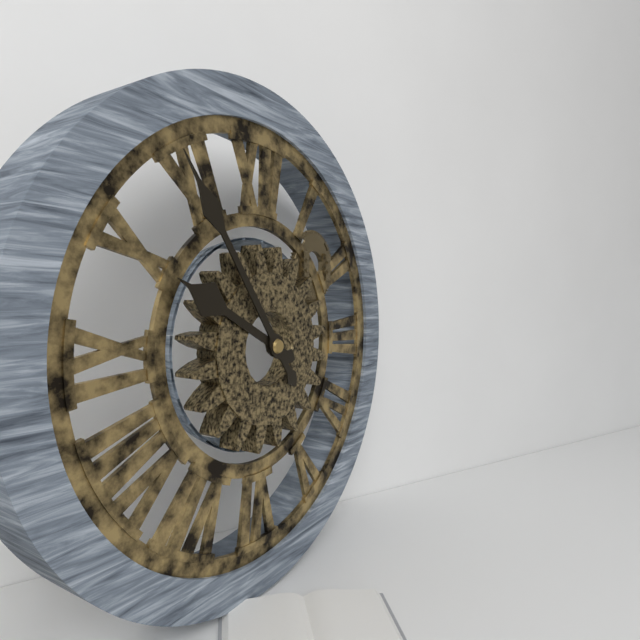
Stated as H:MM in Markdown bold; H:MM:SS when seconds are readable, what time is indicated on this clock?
**9:54**
